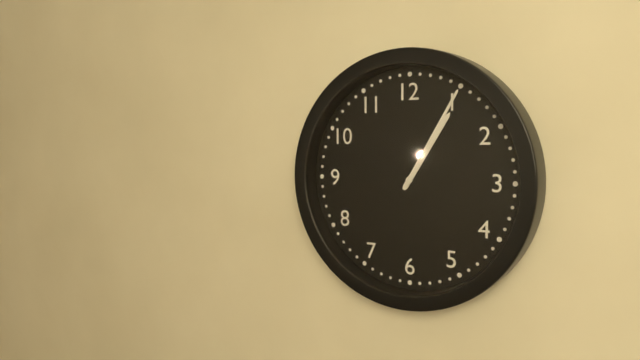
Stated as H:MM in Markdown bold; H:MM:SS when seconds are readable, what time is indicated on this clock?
**1:05**
